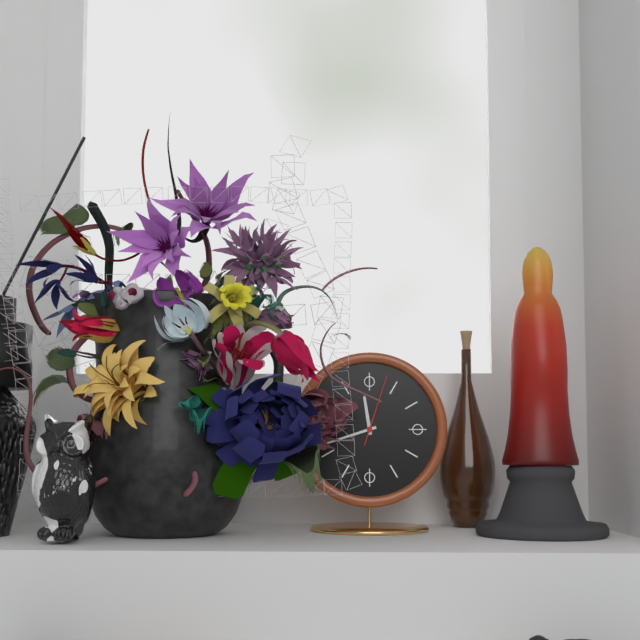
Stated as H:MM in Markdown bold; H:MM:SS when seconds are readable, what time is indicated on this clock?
**11:42:03**
